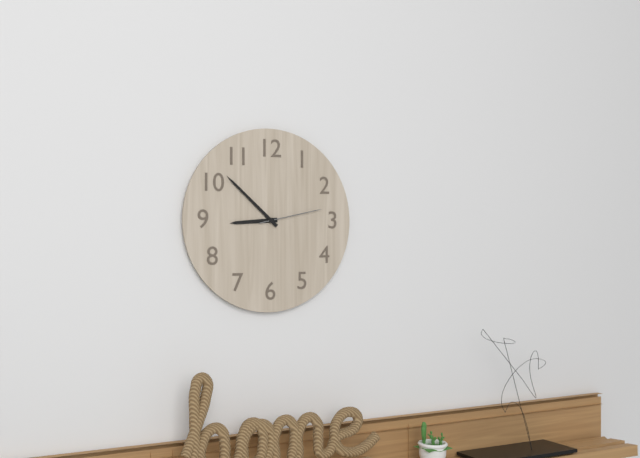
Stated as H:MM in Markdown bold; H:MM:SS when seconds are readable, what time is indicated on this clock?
**8:52:13**
